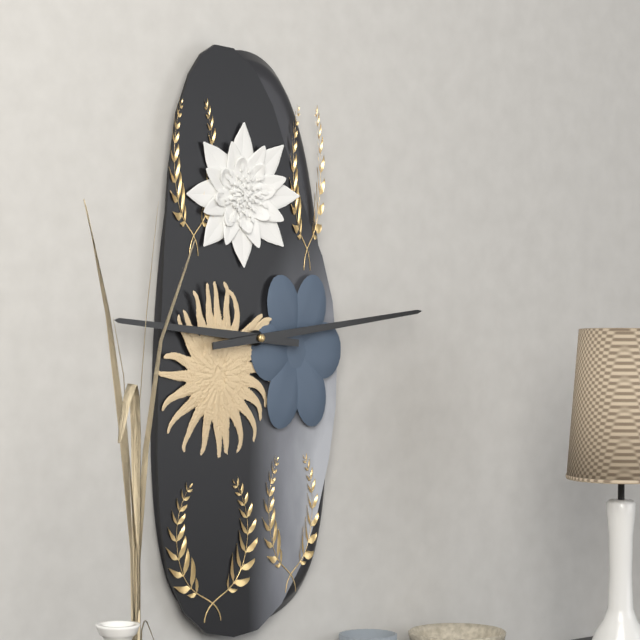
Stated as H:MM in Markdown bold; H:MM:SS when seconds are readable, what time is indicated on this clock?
**9:14**
